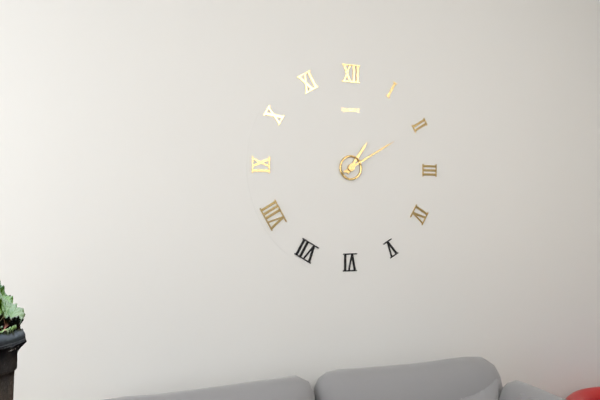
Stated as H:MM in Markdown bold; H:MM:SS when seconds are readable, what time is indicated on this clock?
**1:10**
